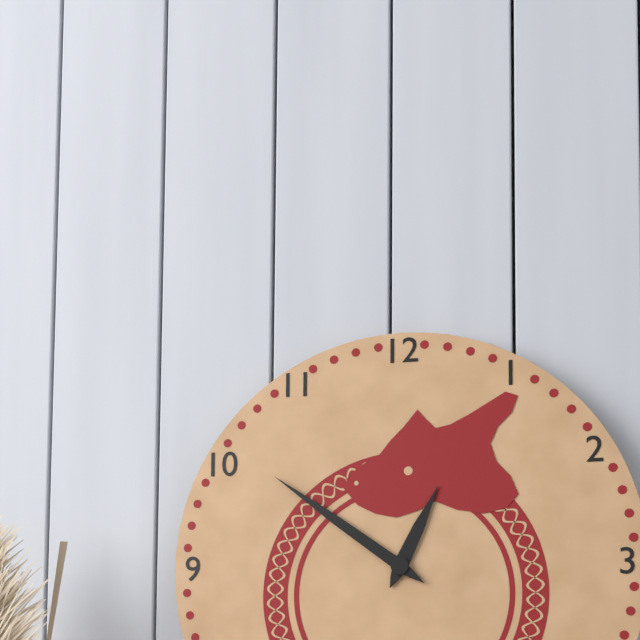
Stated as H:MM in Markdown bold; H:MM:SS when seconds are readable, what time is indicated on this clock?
**12:51**
